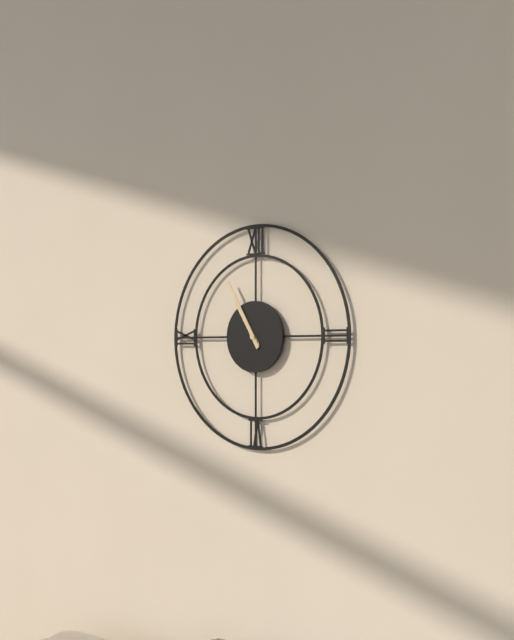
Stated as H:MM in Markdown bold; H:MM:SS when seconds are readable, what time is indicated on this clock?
**10:55**
